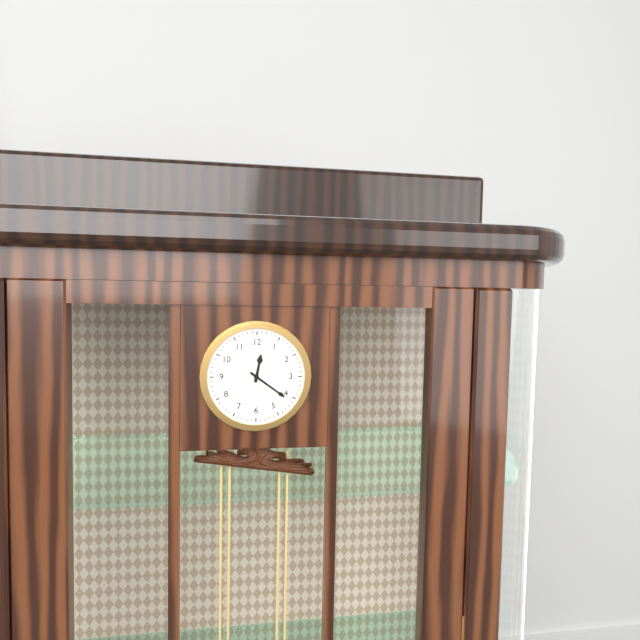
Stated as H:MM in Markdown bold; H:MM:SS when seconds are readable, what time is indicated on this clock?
**12:21**
